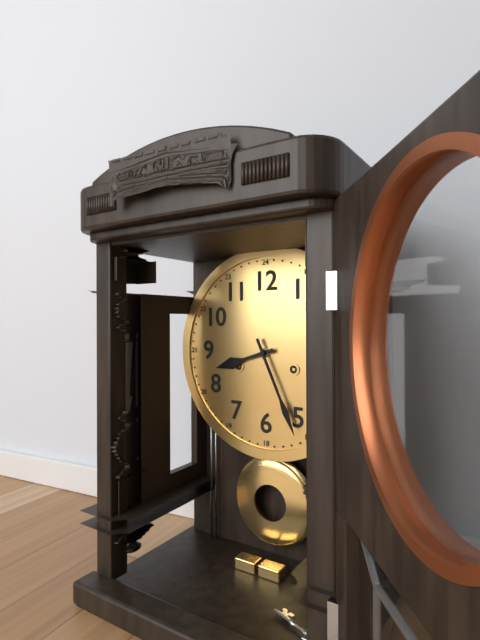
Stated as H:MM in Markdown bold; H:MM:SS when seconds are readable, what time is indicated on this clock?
**8:26**
